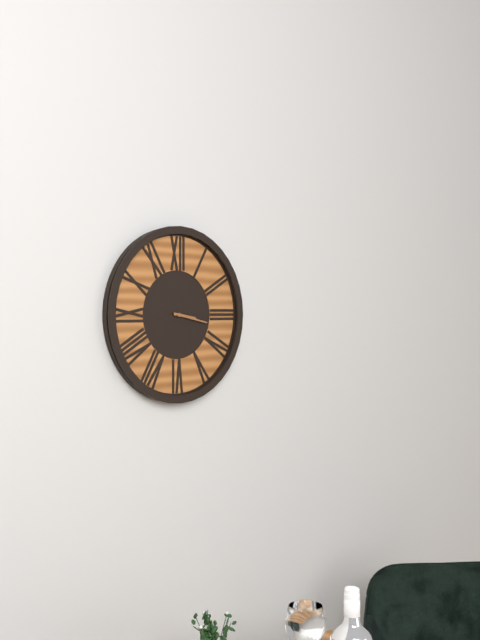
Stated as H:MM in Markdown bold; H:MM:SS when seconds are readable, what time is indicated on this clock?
**3:17**
